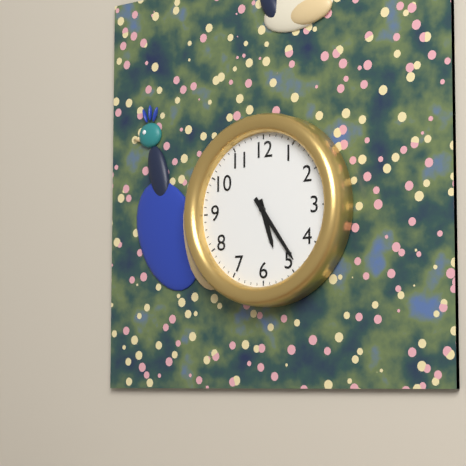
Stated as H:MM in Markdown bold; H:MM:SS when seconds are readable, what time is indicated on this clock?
**5:24**
